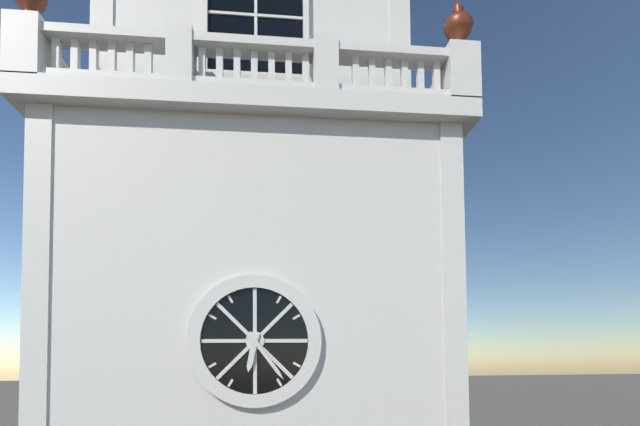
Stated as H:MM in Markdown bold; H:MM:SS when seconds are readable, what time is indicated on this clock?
**6:24**
